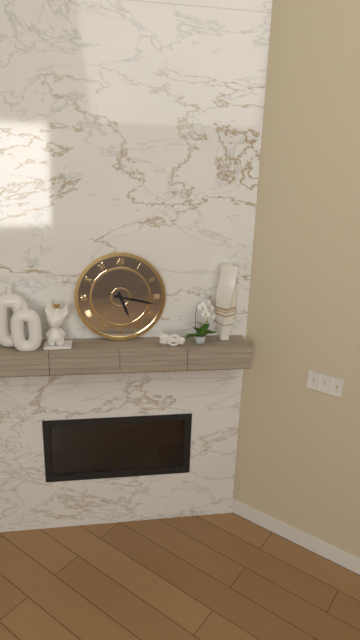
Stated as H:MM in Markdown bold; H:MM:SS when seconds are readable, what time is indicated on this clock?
**5:17**
